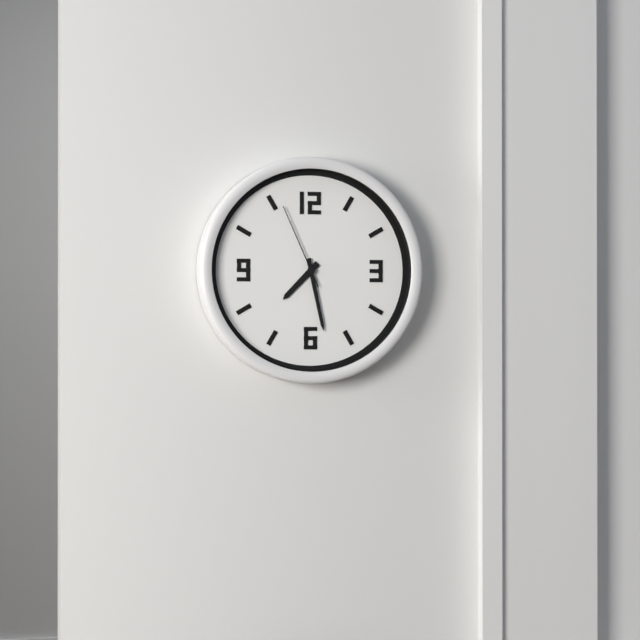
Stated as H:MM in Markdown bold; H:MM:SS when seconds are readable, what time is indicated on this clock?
**7:28:56**
